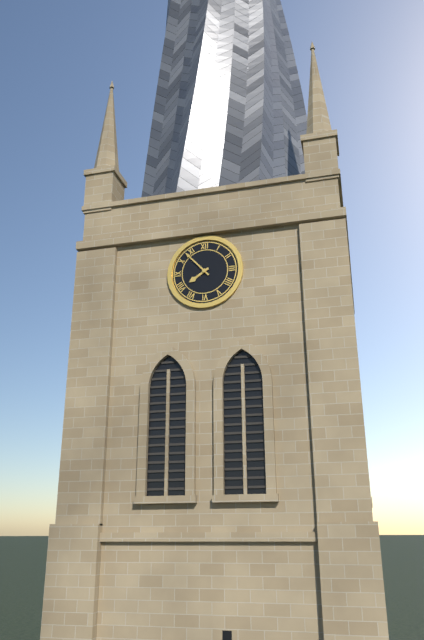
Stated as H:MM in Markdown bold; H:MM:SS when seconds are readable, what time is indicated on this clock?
**7:53**
